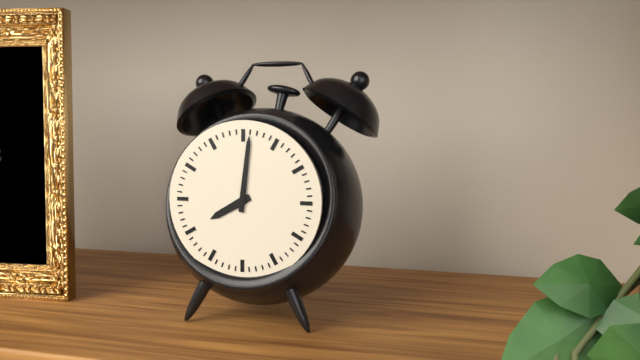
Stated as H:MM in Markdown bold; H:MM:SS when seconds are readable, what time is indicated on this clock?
**8:01**
